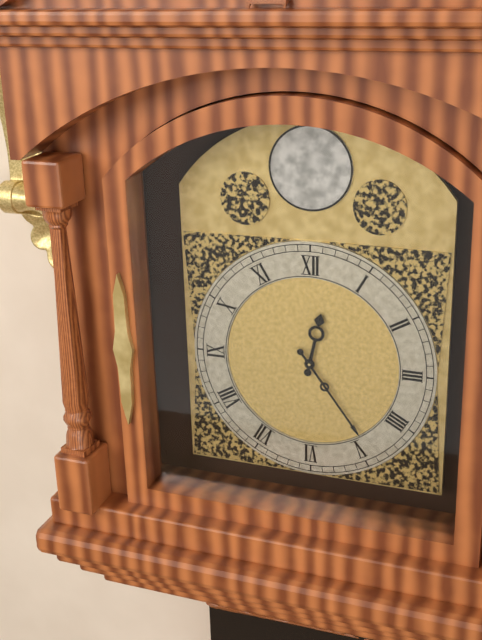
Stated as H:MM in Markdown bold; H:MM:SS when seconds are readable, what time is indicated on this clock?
**12:24**
